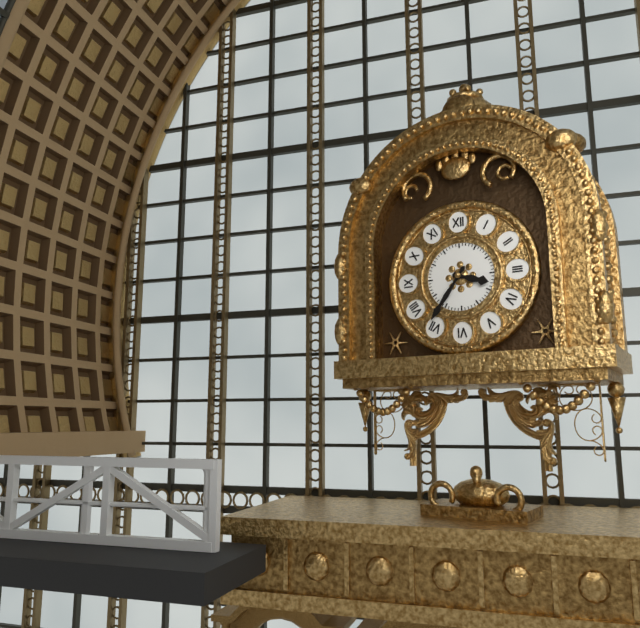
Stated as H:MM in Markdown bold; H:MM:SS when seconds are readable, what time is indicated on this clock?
**3:36**
